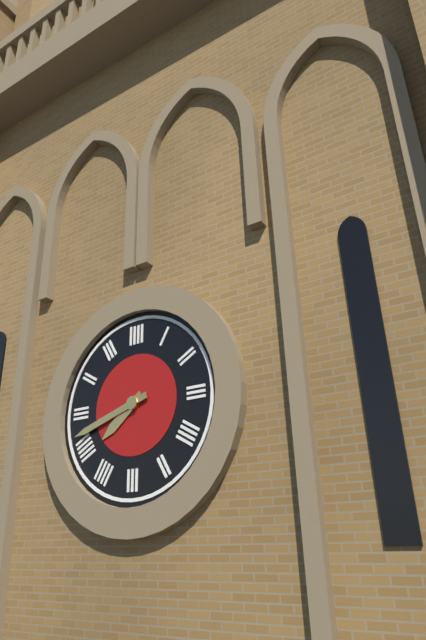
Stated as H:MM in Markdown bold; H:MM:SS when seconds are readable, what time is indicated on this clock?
**7:42**
